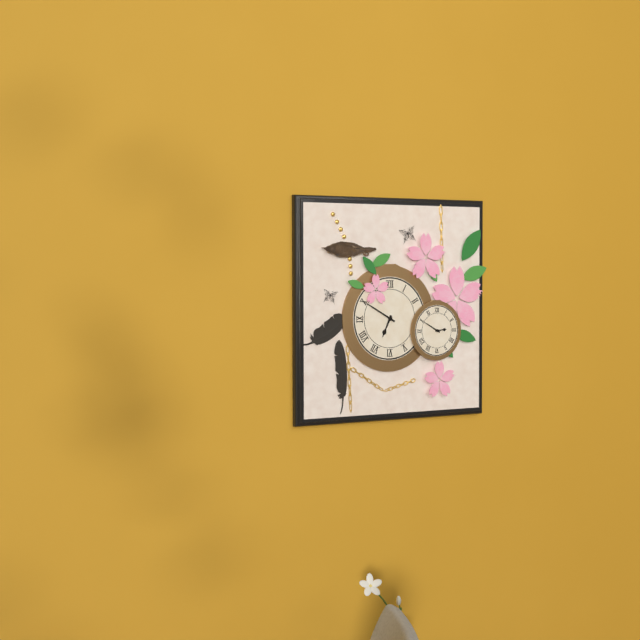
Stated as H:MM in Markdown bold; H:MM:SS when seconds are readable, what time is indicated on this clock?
**6:50**
